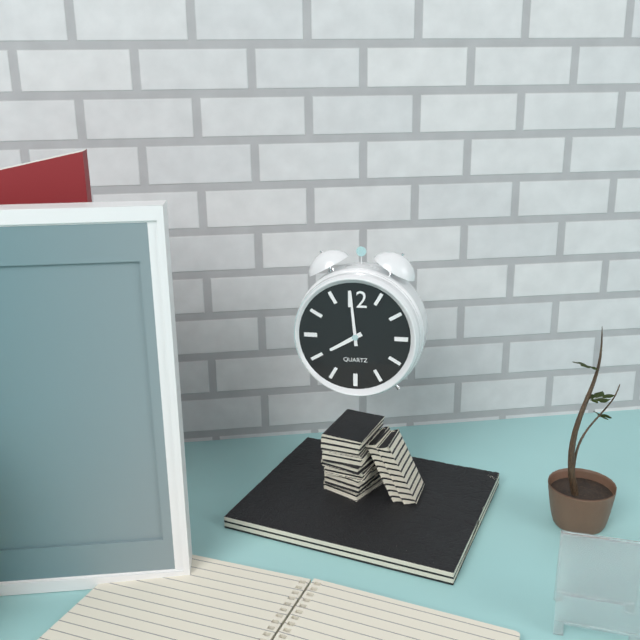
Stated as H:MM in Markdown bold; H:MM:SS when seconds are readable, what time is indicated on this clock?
**7:59**
